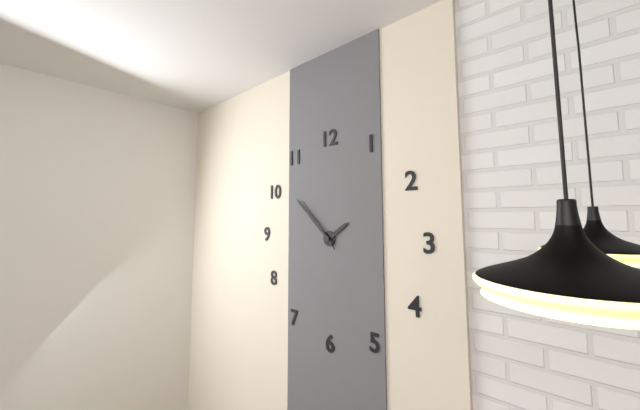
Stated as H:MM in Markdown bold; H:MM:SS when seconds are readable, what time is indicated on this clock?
**1:52:53**
